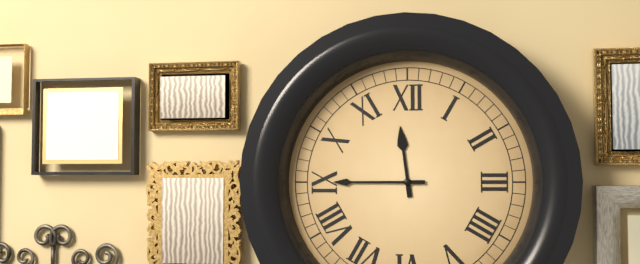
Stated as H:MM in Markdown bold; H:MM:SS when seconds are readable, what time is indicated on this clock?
**11:45**
